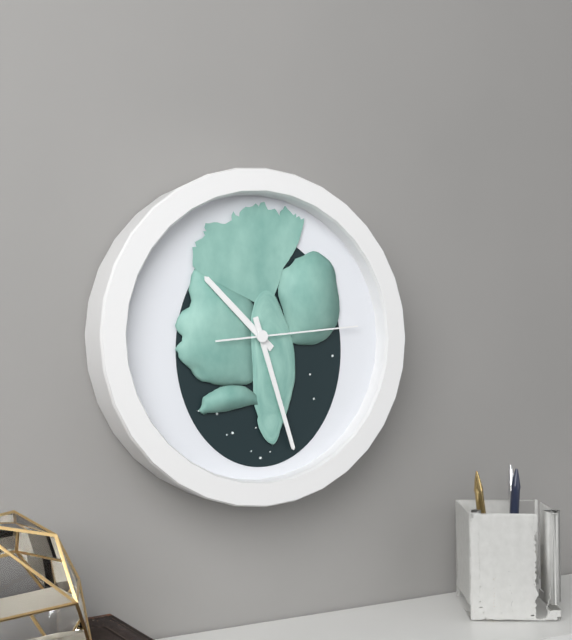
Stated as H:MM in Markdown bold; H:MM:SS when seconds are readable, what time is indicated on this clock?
**10:27:14**
